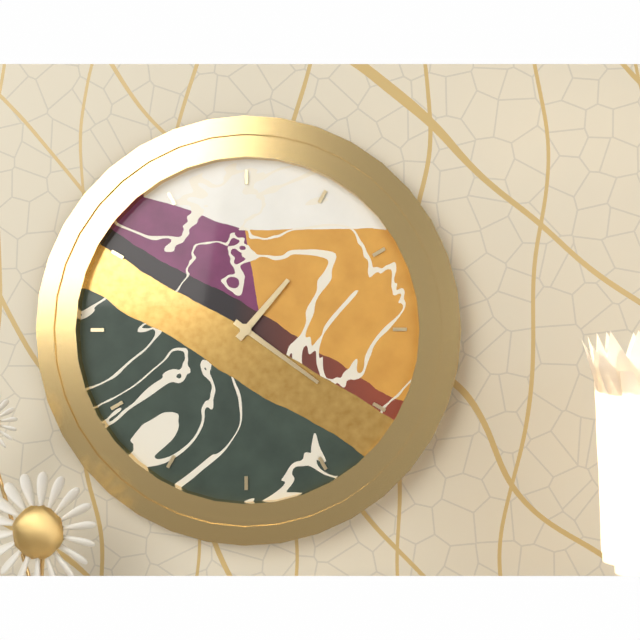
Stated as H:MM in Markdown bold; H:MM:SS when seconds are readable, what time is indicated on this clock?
**1:21**
